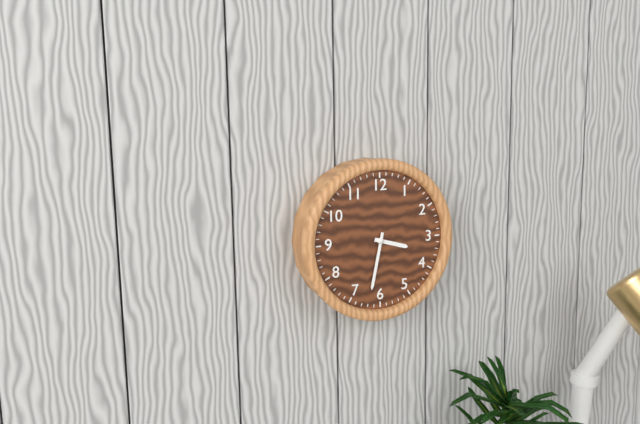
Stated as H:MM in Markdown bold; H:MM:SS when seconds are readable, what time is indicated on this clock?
**3:32**
